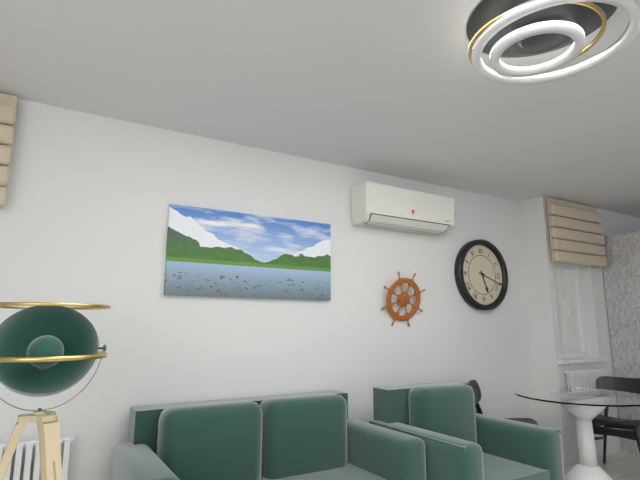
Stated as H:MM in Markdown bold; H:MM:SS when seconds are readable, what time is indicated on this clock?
**5:18**
